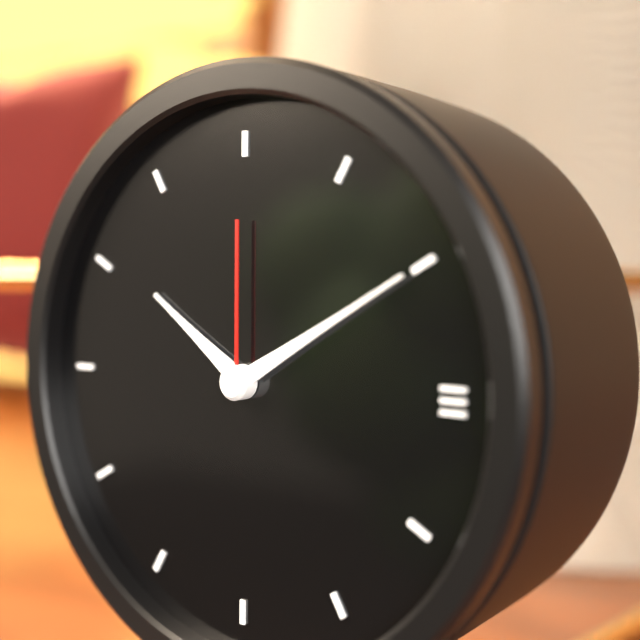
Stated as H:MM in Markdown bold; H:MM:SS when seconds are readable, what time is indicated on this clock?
**10:10:00**
